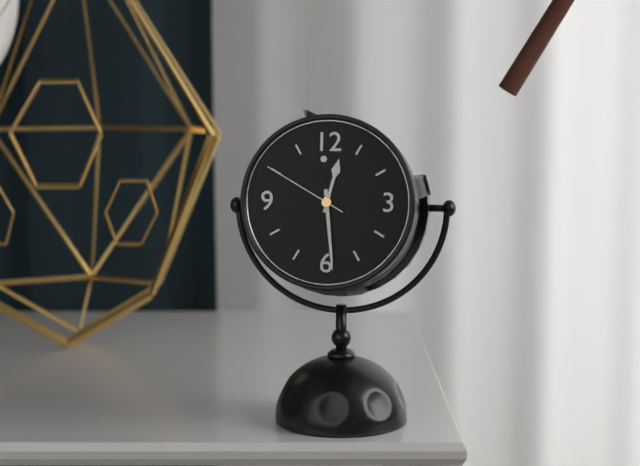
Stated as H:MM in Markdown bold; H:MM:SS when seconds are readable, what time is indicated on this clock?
**12:29:50**
